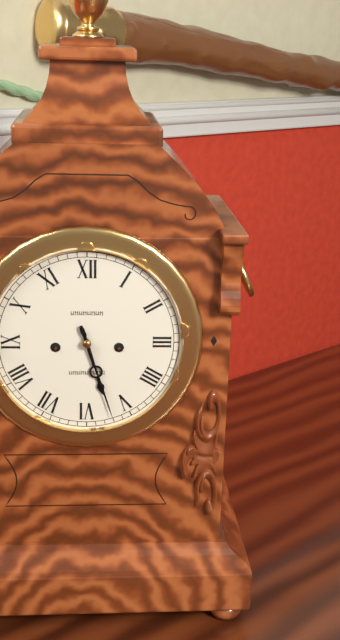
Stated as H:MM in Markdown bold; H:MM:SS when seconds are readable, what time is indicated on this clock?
**5:27**
